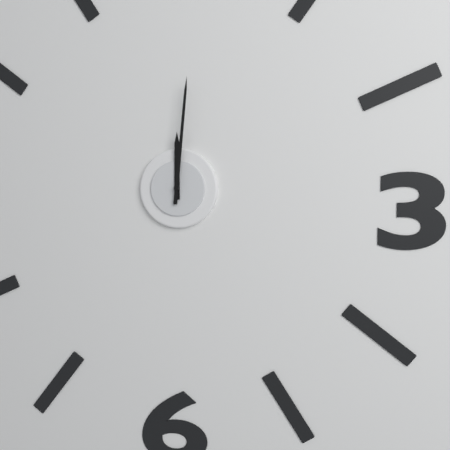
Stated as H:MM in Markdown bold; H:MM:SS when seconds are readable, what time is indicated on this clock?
**12:01**
